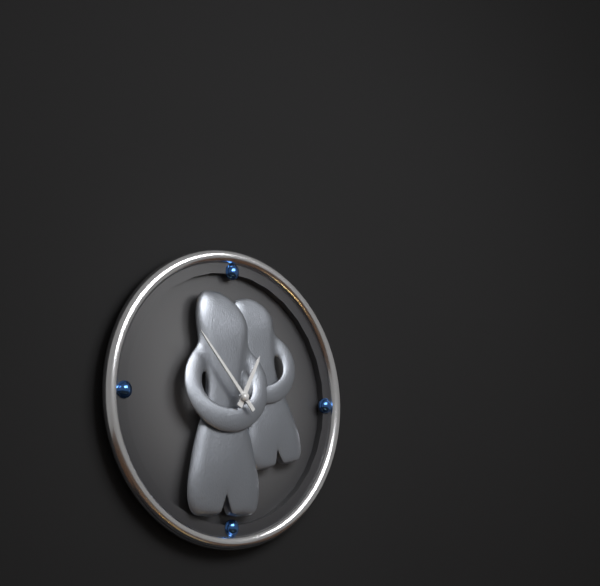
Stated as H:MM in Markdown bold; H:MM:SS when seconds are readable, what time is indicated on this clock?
**12:53**
